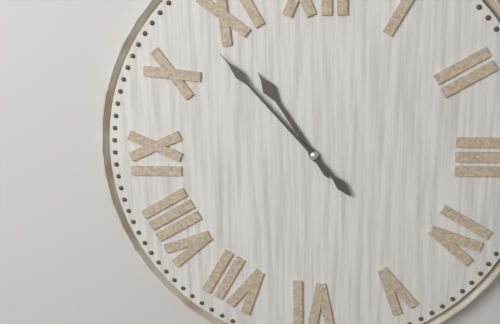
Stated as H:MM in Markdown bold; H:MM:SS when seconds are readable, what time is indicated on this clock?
**10:53**
